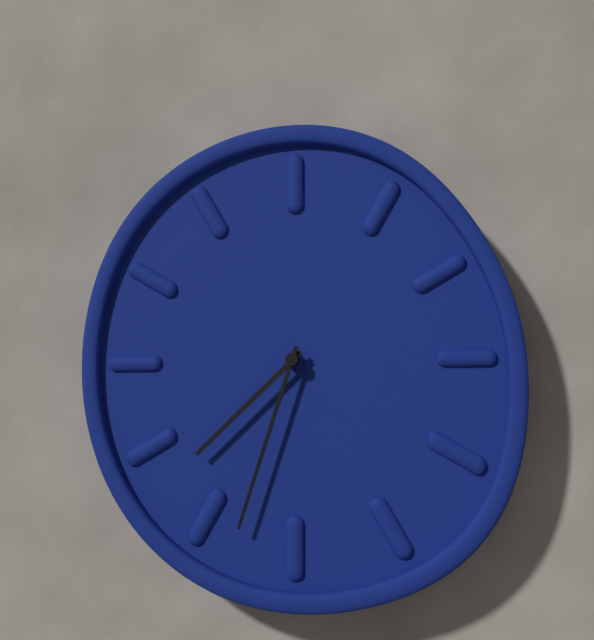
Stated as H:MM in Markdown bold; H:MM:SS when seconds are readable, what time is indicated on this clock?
**7:33**
